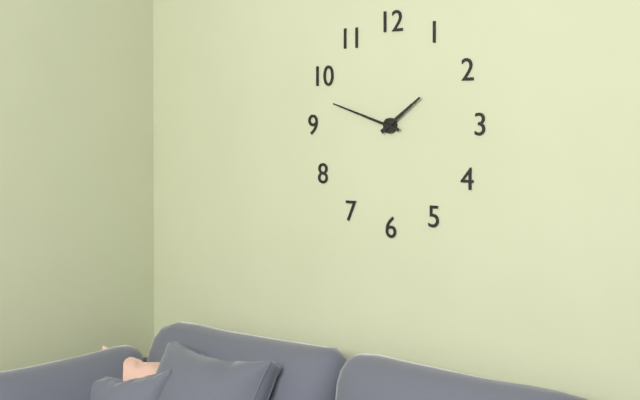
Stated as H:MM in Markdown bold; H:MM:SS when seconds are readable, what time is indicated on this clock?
**1:48**
